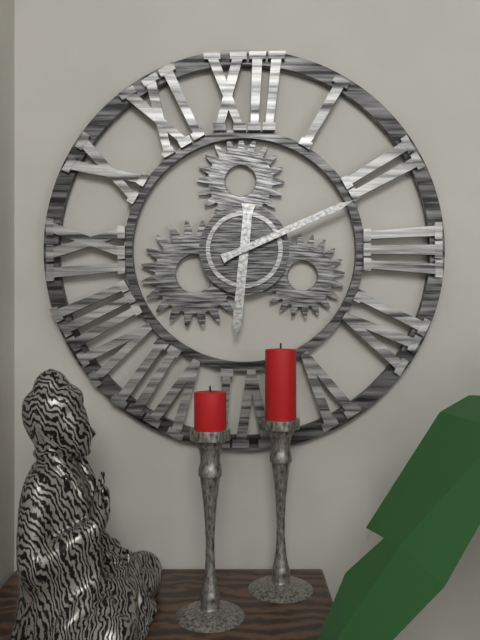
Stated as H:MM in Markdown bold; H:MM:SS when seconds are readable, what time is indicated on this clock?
**6:11**
